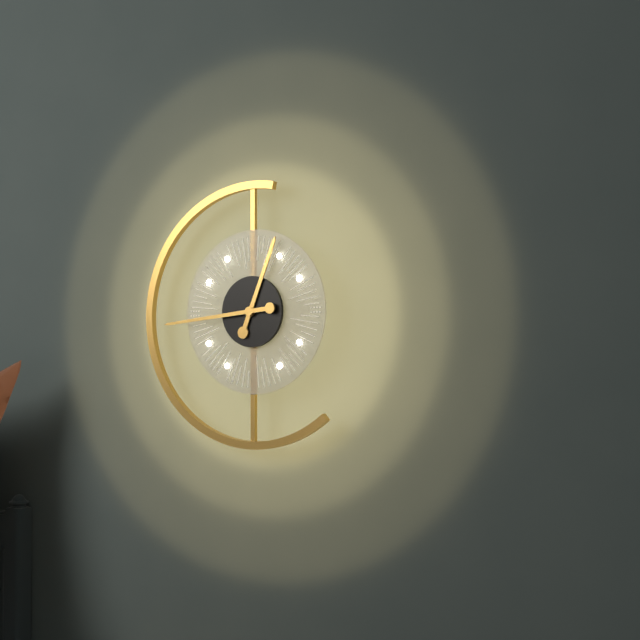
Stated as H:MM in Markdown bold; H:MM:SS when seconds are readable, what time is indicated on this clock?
**12:44**
